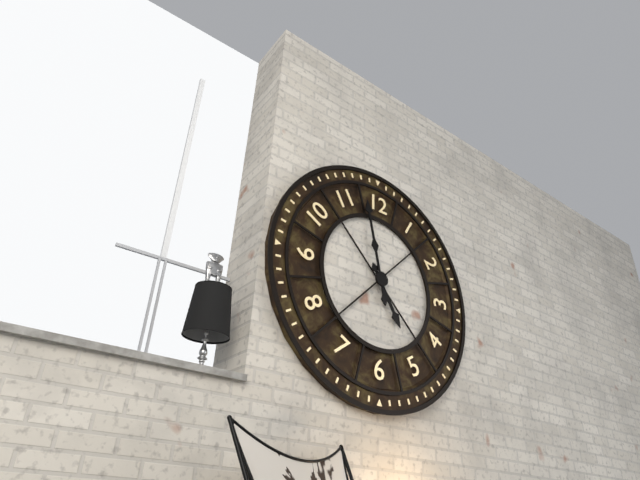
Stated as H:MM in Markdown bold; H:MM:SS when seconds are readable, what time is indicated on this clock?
**4:58**
